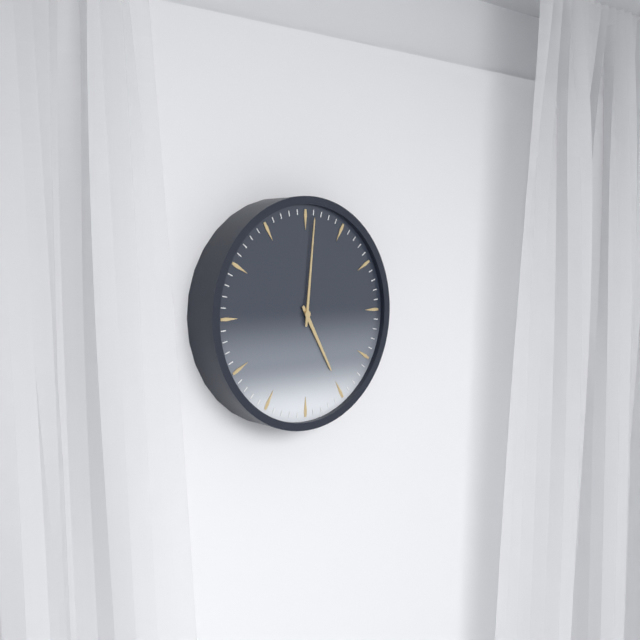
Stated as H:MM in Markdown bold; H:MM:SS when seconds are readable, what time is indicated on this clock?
**5:01**
